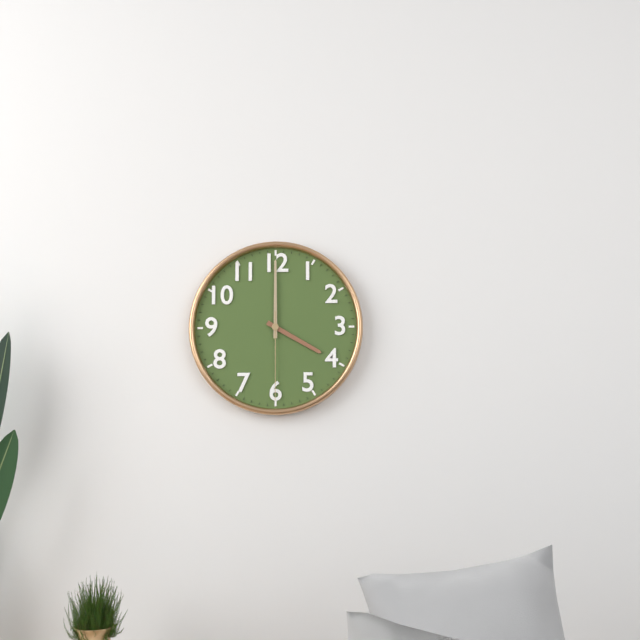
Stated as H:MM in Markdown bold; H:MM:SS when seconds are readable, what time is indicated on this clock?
**4:00:30**
